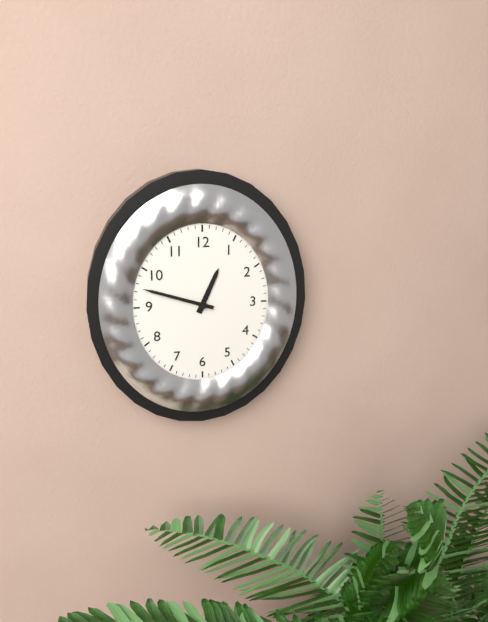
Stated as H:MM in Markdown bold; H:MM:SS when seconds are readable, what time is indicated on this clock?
**12:48**
